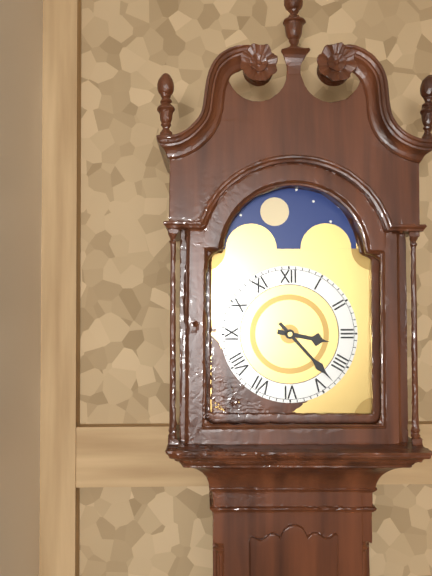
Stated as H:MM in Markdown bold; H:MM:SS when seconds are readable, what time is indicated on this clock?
**3:23**
